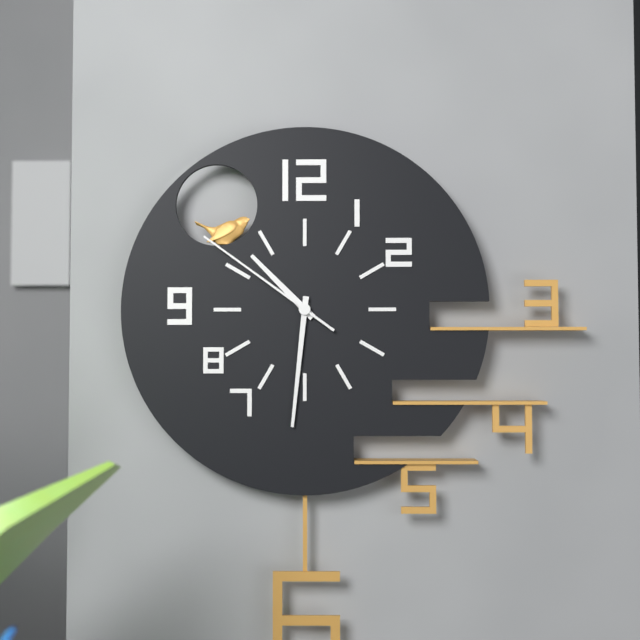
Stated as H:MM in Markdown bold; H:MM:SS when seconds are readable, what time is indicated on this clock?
**10:31:51**
